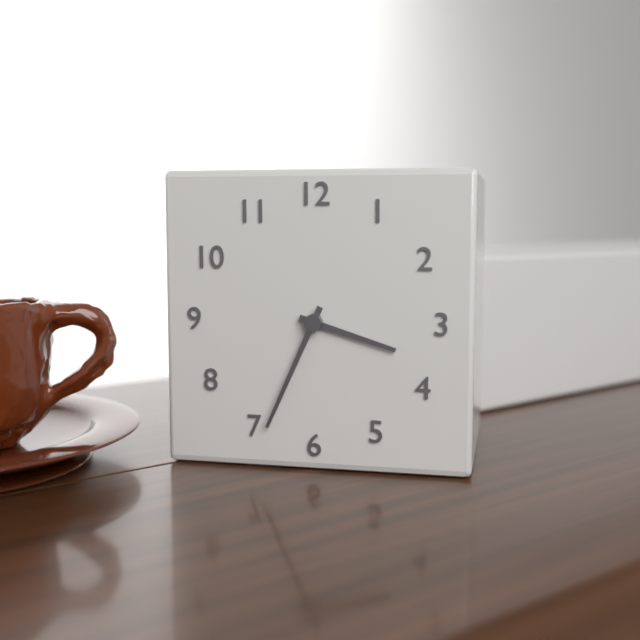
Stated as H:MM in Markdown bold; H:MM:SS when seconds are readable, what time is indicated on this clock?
**3:34**
